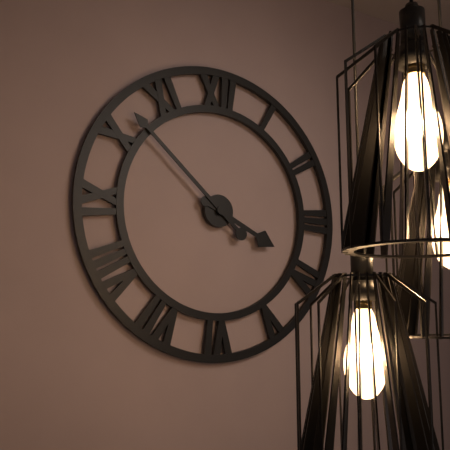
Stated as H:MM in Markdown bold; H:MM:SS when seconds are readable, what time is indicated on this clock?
**3:52**
